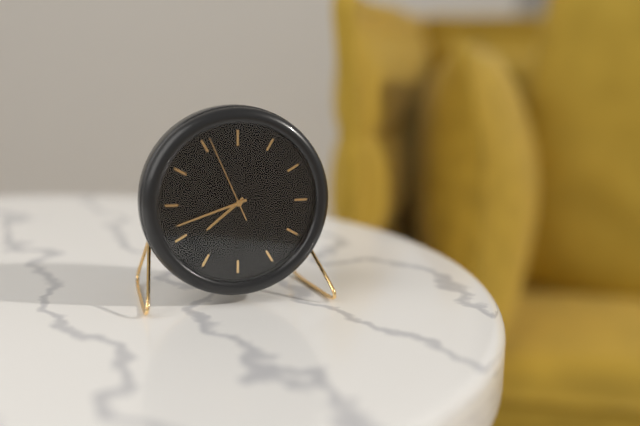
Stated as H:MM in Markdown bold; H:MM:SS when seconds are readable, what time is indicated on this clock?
**7:42:56**
